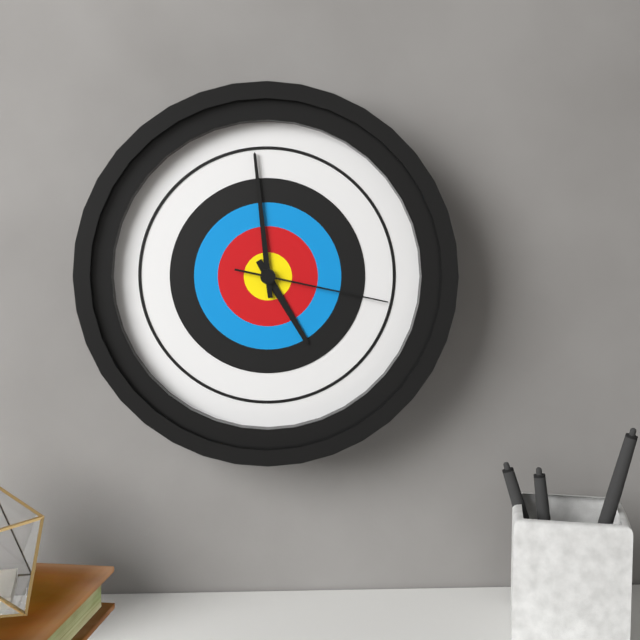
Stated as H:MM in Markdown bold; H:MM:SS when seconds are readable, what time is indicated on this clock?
**4:59:17**
